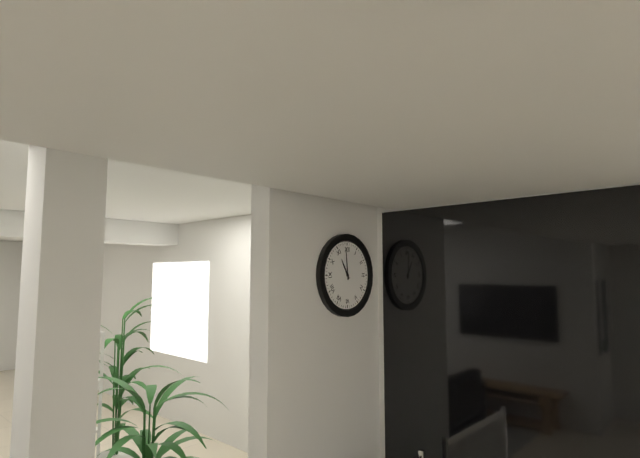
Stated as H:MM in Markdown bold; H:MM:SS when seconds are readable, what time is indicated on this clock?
**10:59**
